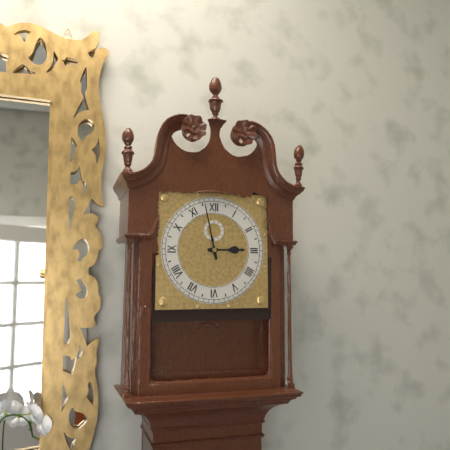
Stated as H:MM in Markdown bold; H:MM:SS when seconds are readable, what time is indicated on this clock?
**2:58**
